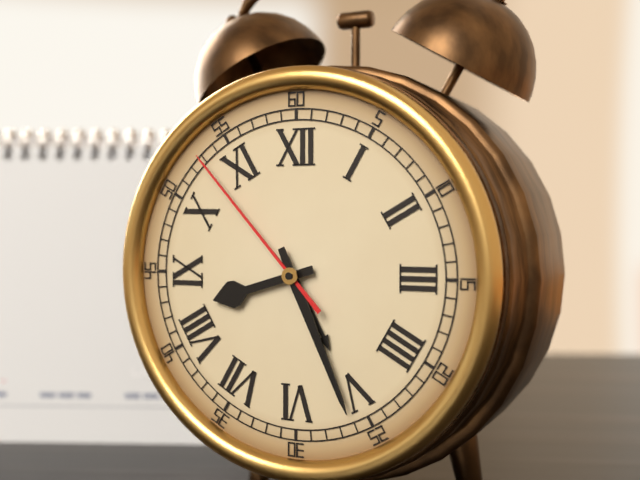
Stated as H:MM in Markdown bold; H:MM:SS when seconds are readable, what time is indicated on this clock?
**8:26:53**
